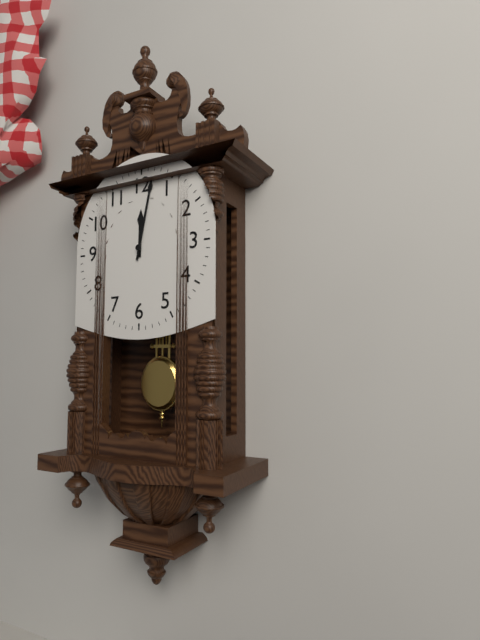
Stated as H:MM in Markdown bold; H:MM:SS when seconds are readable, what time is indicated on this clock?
**12:02**
